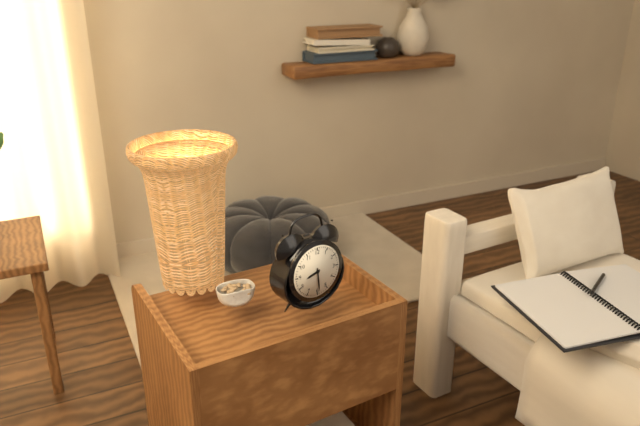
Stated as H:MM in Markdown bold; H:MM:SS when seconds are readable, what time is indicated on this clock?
**8:29**
